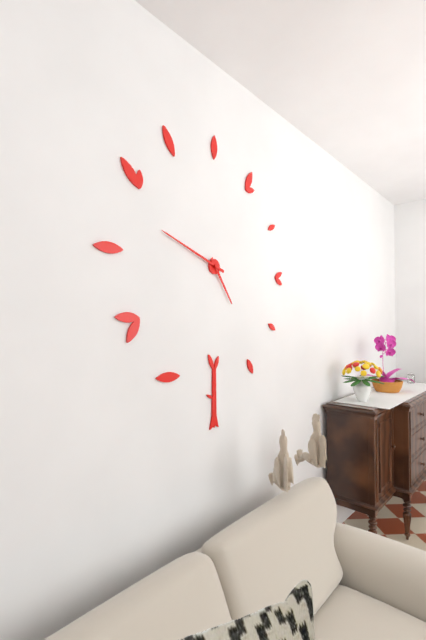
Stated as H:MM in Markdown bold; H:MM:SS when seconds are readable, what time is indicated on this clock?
**4:48**
